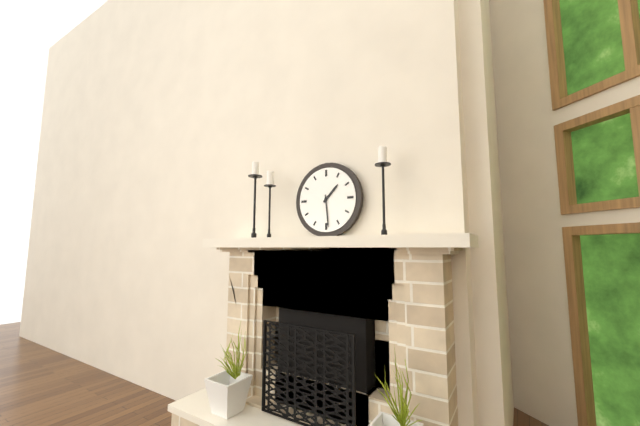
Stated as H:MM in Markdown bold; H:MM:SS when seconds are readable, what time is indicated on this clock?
**1:29**
